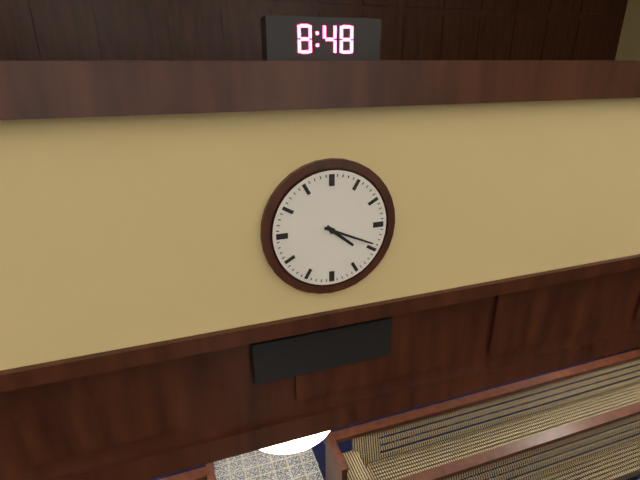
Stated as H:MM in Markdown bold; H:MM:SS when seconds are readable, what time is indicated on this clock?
**4:19**
